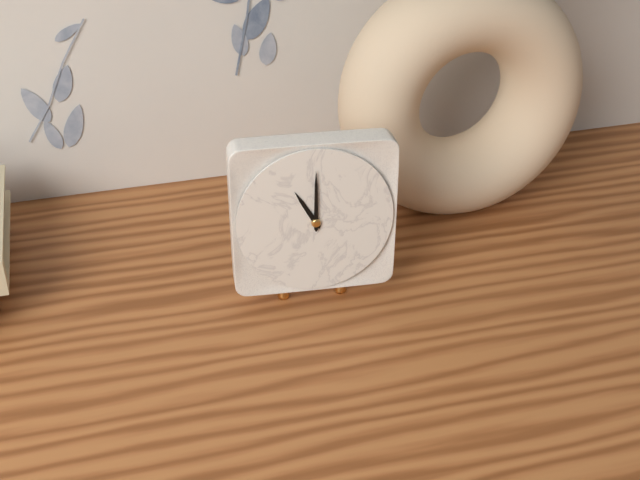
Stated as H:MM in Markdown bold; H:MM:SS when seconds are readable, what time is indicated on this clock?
**11:00**
